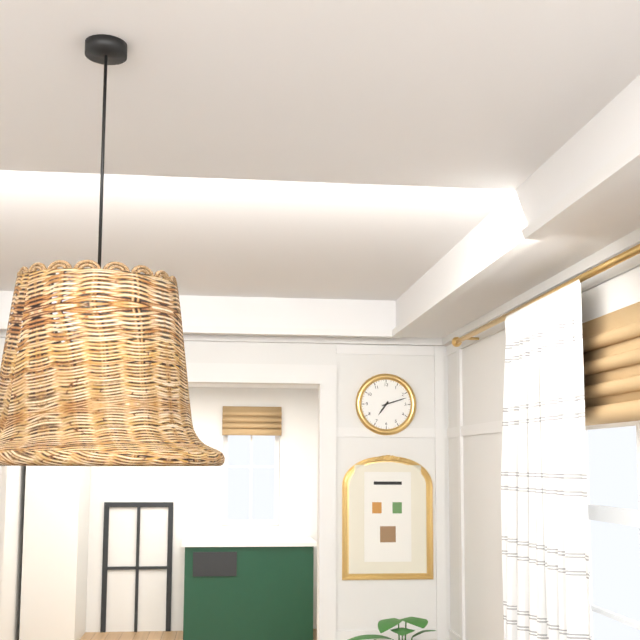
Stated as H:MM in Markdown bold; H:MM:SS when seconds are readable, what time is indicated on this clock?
**7:12**
